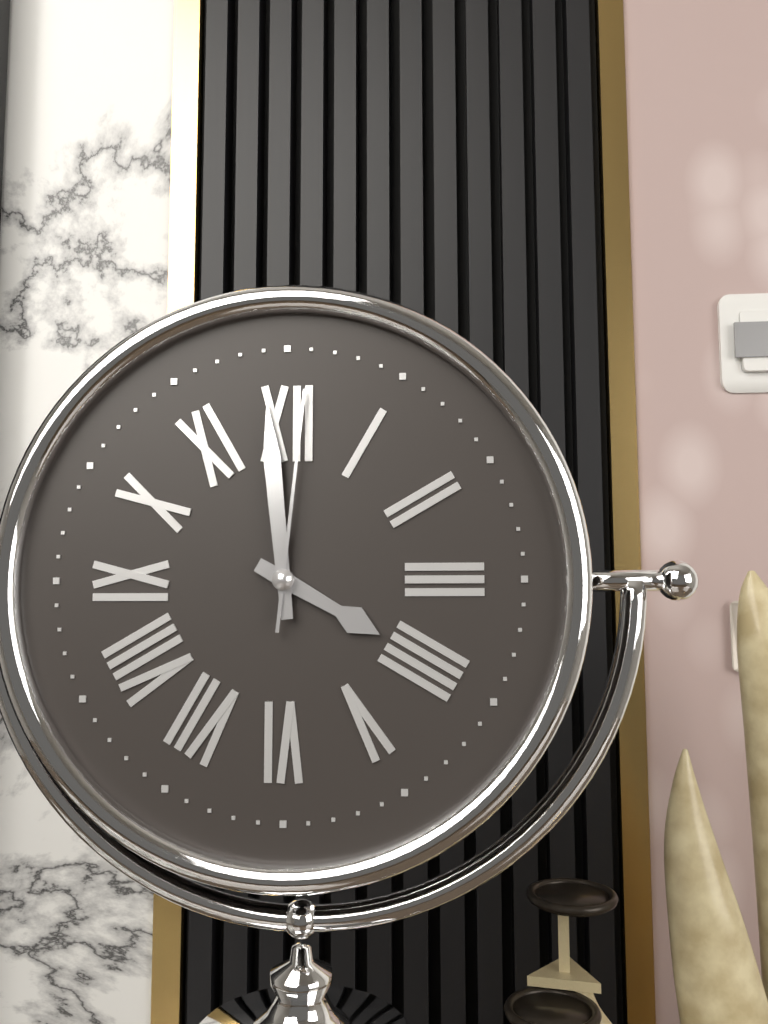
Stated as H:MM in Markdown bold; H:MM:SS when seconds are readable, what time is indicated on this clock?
**3:59:01**
